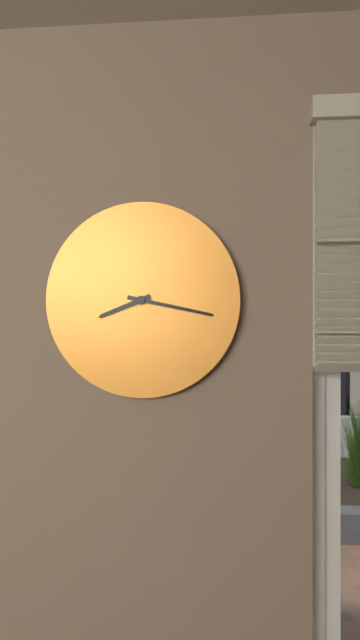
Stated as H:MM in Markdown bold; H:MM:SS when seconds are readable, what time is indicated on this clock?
**8:17**
